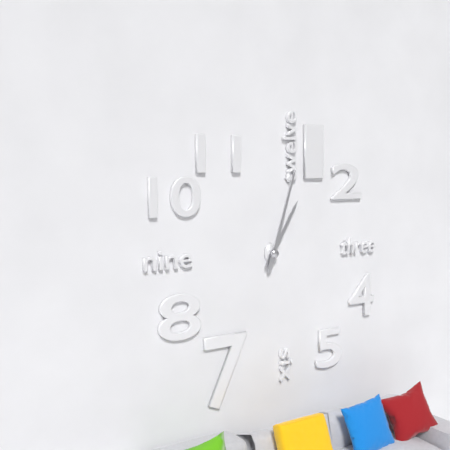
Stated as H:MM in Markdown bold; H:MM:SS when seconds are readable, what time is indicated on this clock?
**1:03**
